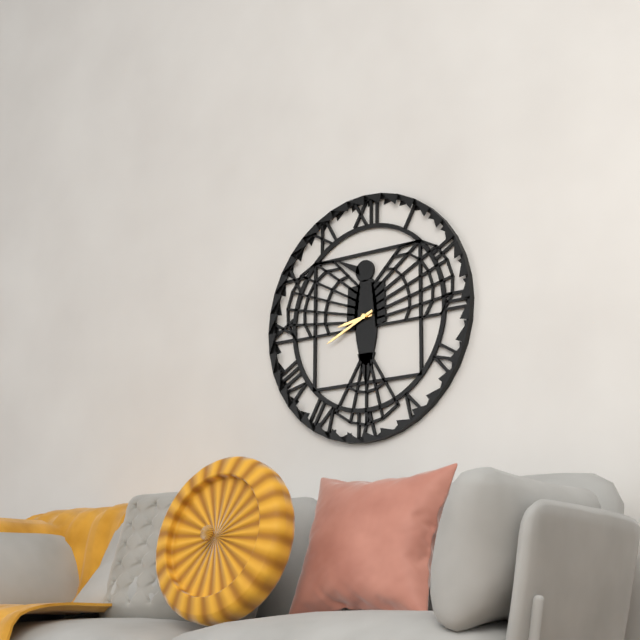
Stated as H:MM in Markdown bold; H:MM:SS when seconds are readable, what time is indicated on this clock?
**8:41**
